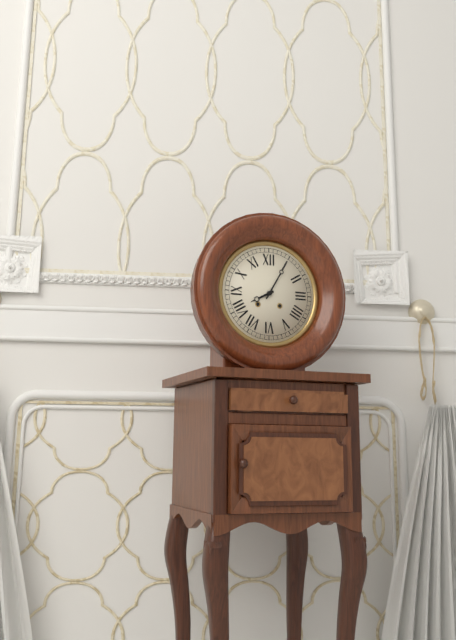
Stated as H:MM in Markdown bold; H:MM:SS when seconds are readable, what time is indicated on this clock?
**8:05**
